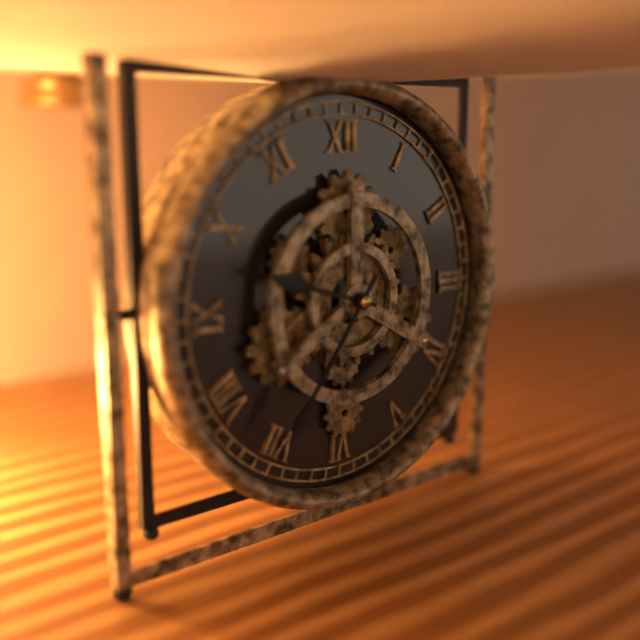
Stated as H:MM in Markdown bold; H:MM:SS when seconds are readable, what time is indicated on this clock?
**9:36**
